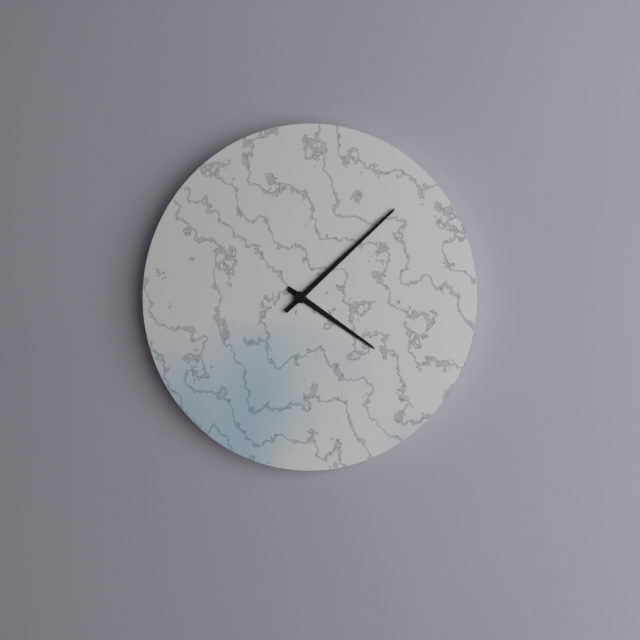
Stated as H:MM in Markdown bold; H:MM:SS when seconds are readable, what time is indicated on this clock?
**4:08**
